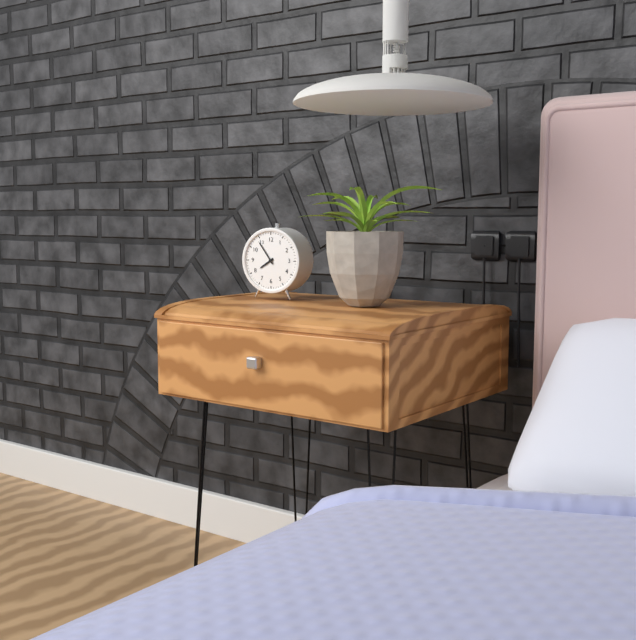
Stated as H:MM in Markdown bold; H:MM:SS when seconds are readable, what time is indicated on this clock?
**7:54**
